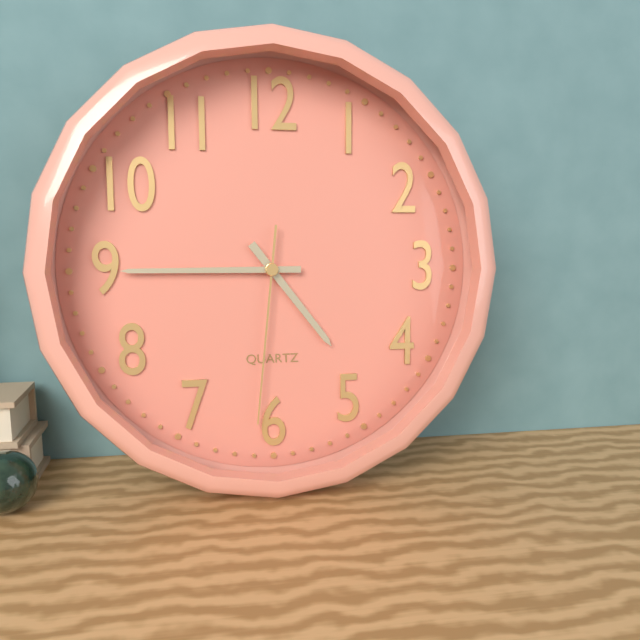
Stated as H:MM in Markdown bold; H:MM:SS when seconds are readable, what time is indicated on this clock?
**4:45:31**
